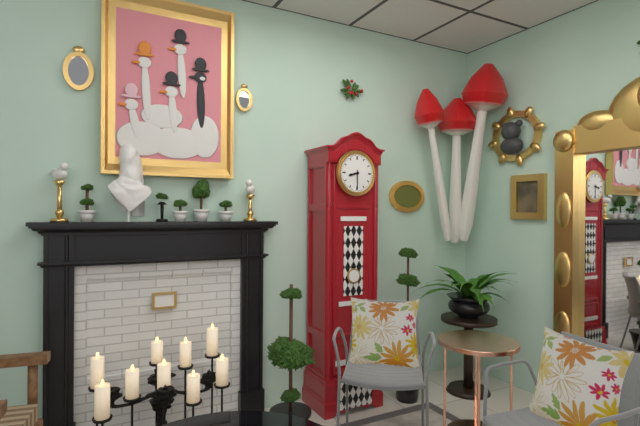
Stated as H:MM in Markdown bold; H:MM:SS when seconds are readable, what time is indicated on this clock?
**8:30**
